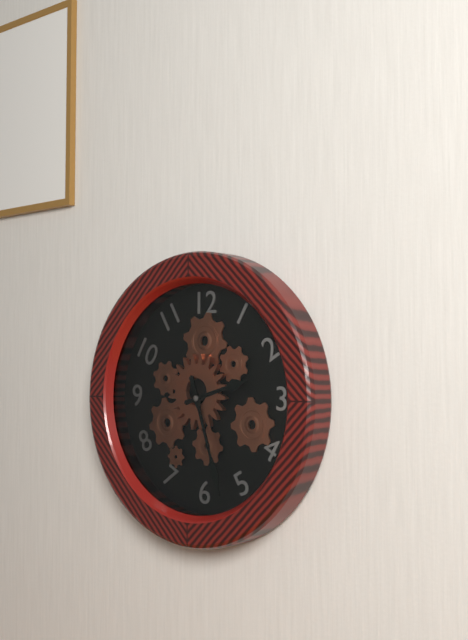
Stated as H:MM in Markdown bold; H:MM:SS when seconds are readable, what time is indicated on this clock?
**2:27**
